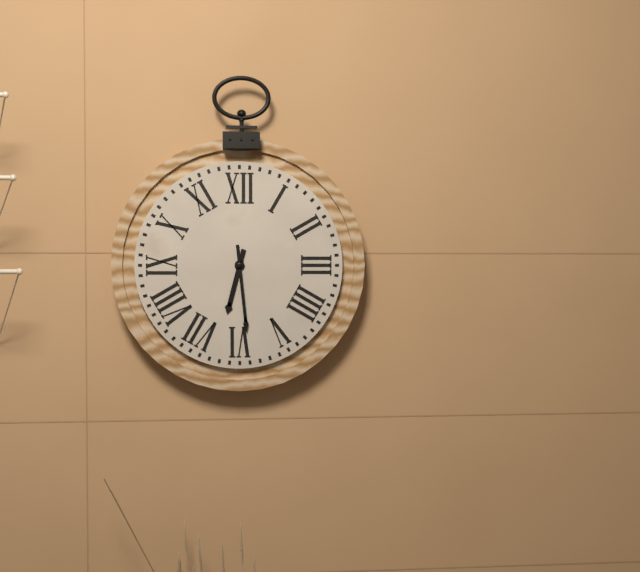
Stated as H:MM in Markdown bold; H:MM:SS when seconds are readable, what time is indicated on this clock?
**6:29**
